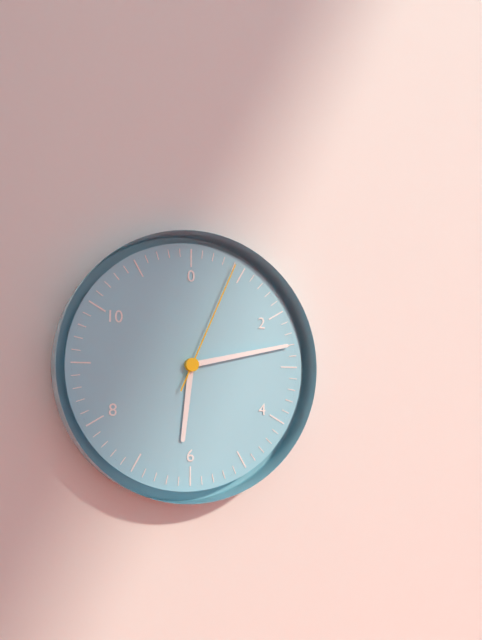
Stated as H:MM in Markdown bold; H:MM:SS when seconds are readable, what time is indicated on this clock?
**6:13:04**
